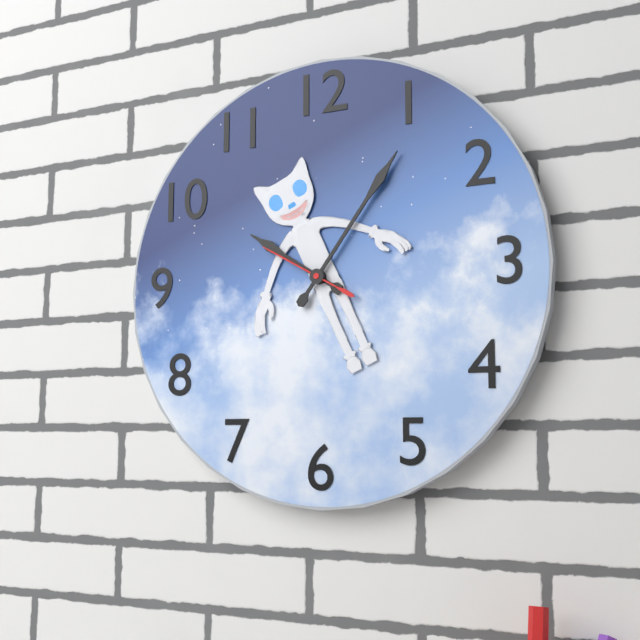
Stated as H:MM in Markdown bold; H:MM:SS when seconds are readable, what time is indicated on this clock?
**10:06:50**
